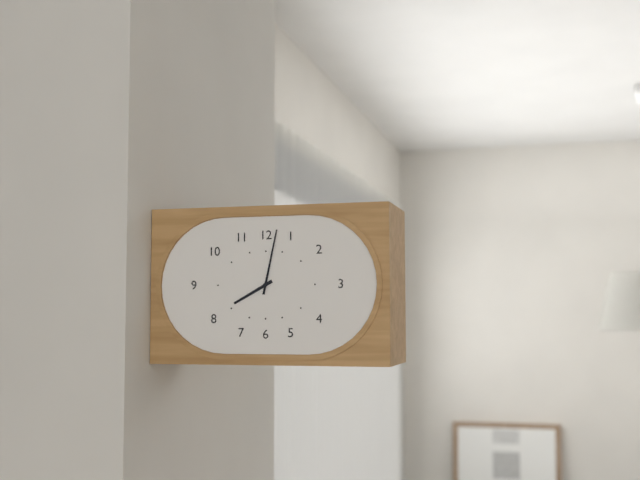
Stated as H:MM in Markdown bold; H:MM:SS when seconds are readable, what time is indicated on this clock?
**8:02**
